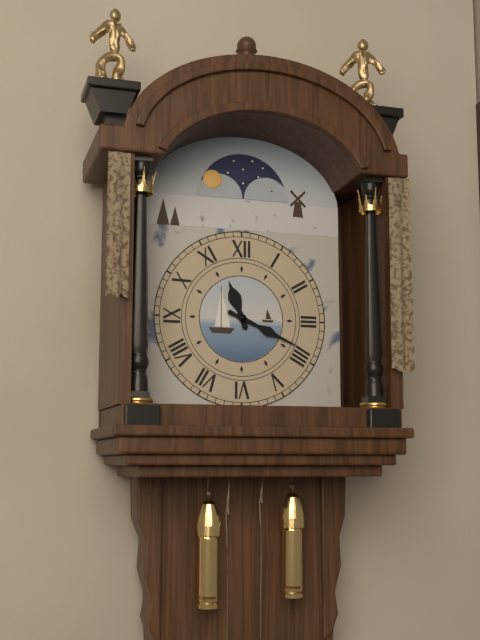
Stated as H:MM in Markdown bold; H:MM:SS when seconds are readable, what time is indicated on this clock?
**11:19**
